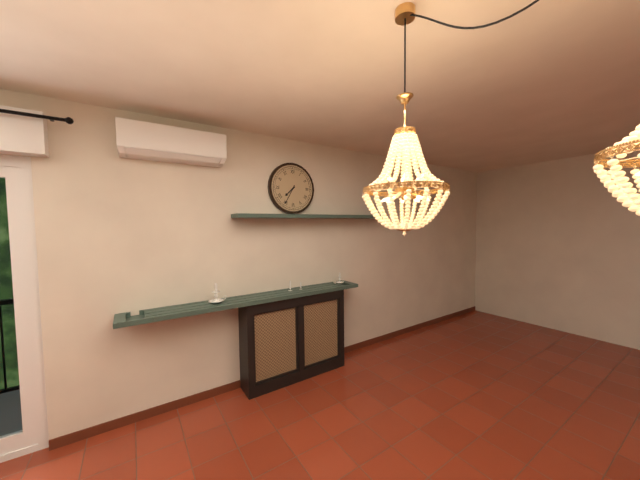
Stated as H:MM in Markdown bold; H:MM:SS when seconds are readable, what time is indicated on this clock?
**7:35**
